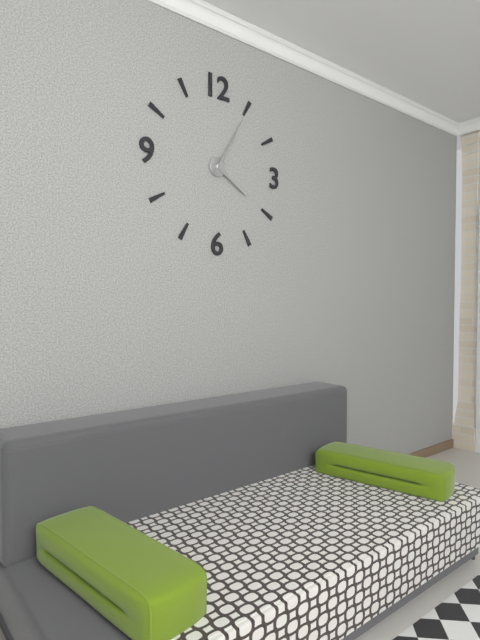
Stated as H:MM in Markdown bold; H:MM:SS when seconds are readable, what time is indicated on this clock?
**4:05**
